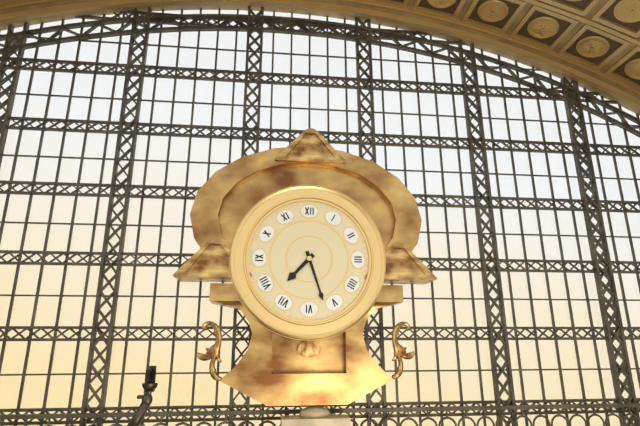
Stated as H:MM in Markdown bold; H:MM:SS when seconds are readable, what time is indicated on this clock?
**7:27**
